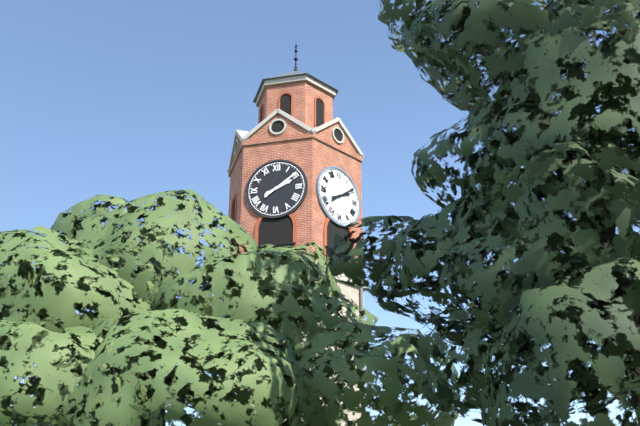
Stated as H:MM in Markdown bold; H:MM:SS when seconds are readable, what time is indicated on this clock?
**2:09**
